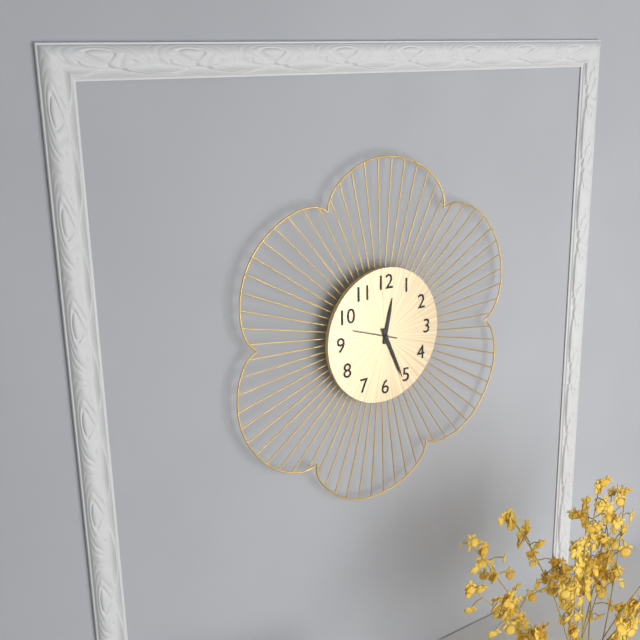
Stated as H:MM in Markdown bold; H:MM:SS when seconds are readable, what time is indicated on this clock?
**12:26**
